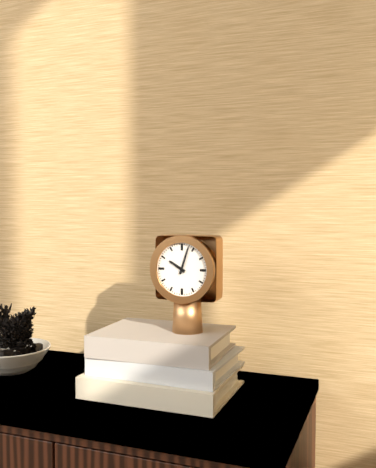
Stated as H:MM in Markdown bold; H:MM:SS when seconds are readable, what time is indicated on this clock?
**10:03**
